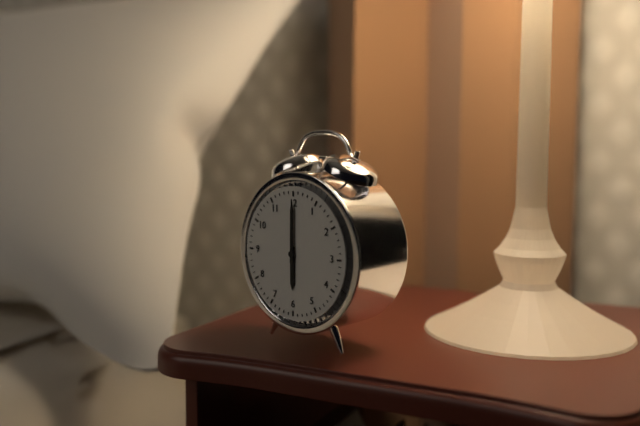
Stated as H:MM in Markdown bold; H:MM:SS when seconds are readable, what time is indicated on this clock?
**6:00**
